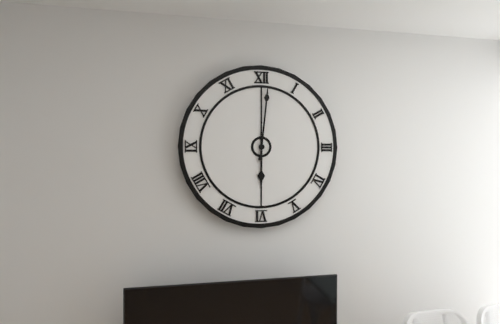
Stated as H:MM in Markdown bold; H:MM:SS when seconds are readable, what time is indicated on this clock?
**6:01**
